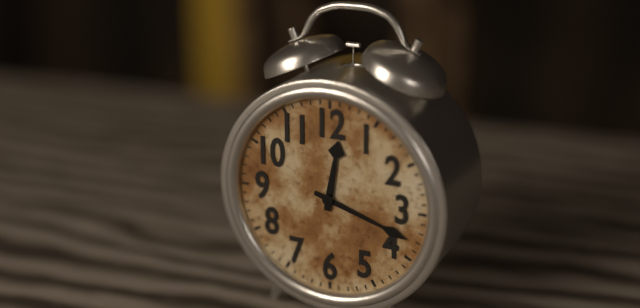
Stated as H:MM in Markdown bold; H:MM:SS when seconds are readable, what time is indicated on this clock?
**12:18**
